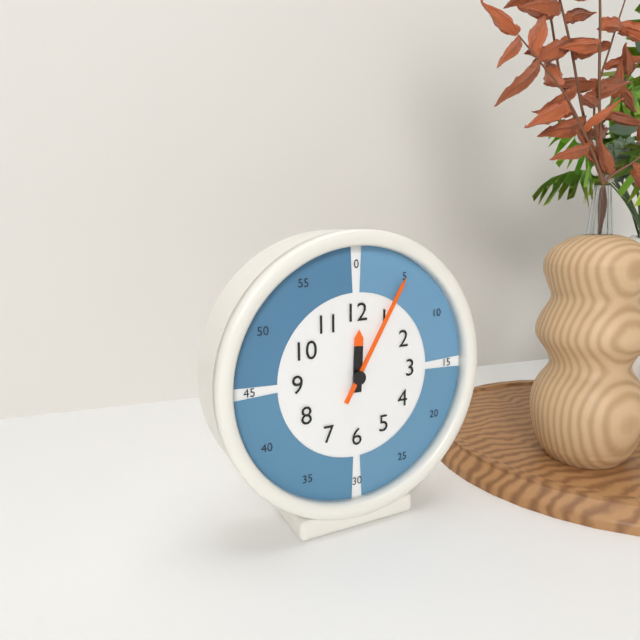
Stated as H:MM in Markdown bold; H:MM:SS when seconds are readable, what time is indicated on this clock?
**12:05**
